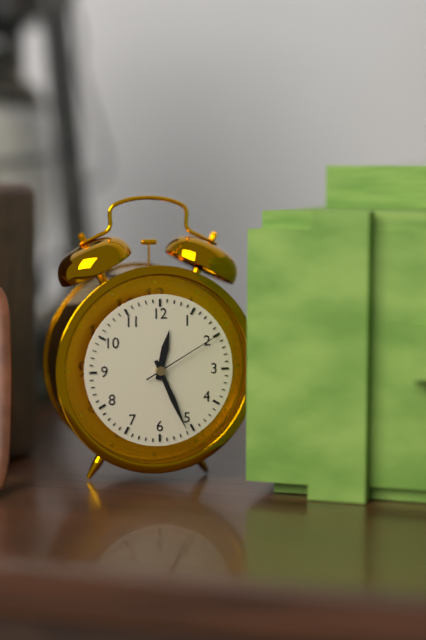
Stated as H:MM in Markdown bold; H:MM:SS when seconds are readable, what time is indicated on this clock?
**12:26:10**
